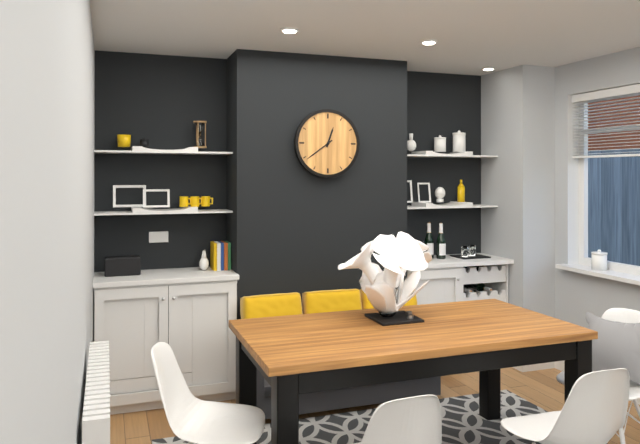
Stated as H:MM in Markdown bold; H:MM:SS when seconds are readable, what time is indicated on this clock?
**12:39**
